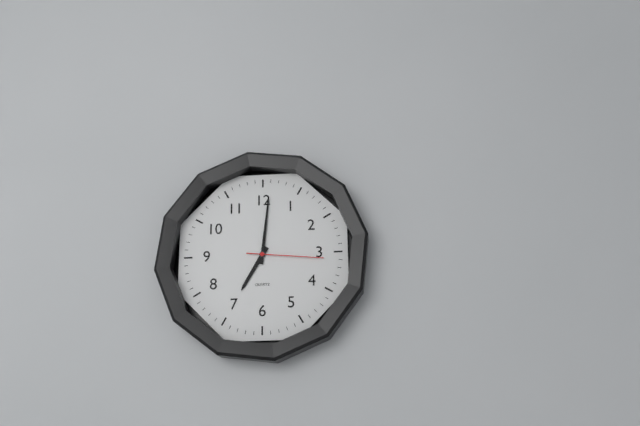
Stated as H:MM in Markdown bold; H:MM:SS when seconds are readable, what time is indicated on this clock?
**7:01:16**
